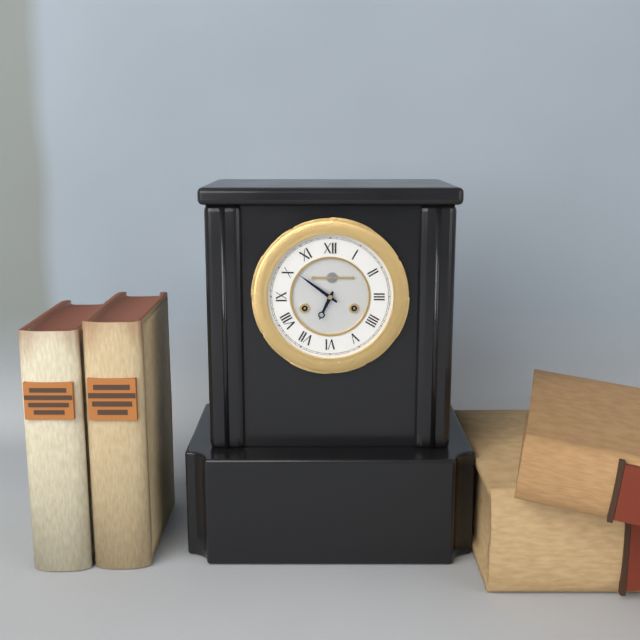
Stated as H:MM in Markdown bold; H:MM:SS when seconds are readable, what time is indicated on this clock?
**6:51**
